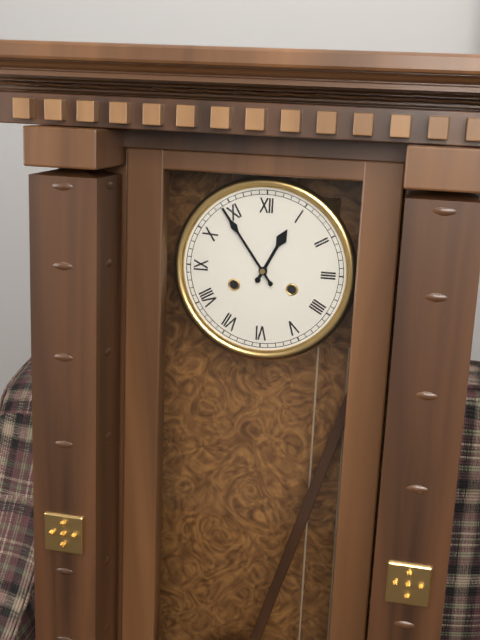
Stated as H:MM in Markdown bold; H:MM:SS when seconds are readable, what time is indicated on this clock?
**12:54**
